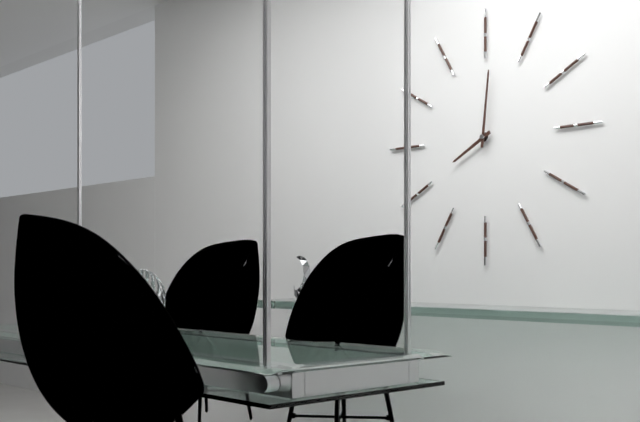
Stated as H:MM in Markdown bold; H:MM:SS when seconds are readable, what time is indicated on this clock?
**8:01**
